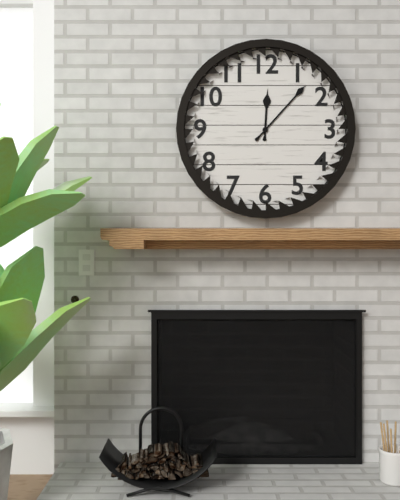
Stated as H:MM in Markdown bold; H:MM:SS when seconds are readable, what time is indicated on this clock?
**12:07**
